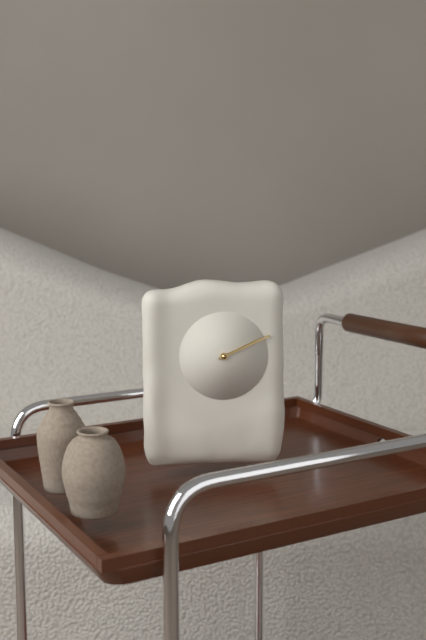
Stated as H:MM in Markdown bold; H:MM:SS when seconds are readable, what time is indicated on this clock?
**2:11**
